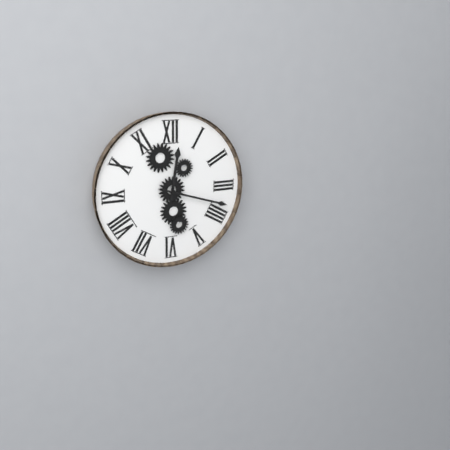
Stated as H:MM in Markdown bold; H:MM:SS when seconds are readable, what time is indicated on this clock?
**12:18**
